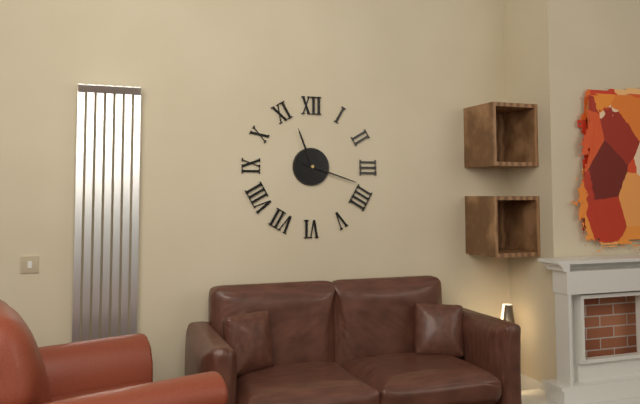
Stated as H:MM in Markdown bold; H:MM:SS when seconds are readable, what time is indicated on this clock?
**11:18**
